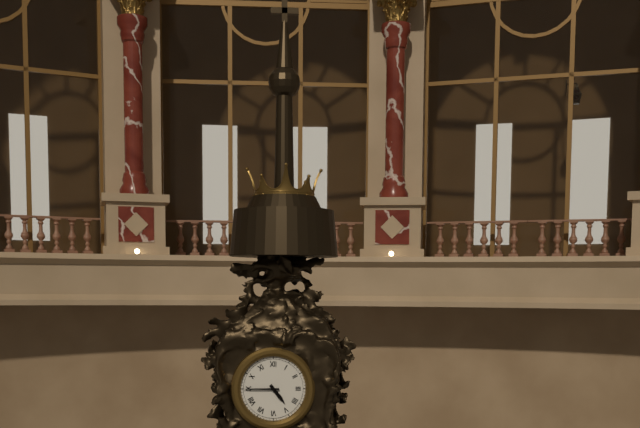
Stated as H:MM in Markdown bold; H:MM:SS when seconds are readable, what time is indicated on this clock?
**4:45**
